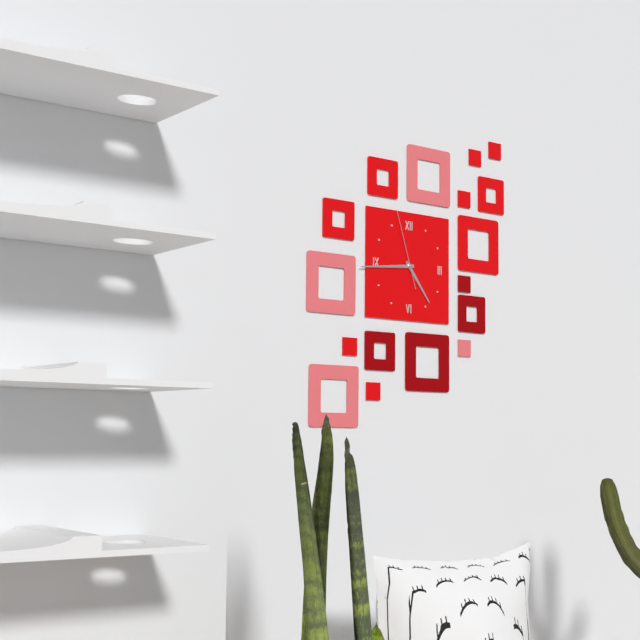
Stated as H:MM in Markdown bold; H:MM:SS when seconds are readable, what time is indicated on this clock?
**4:44:57**
